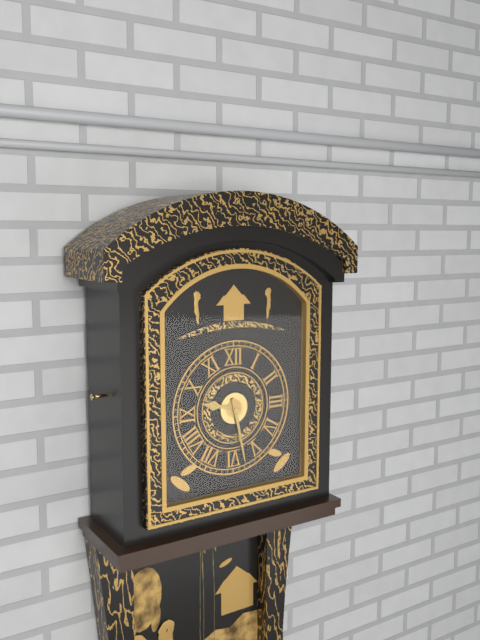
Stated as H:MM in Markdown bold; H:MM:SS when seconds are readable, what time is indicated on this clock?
**9:28**
